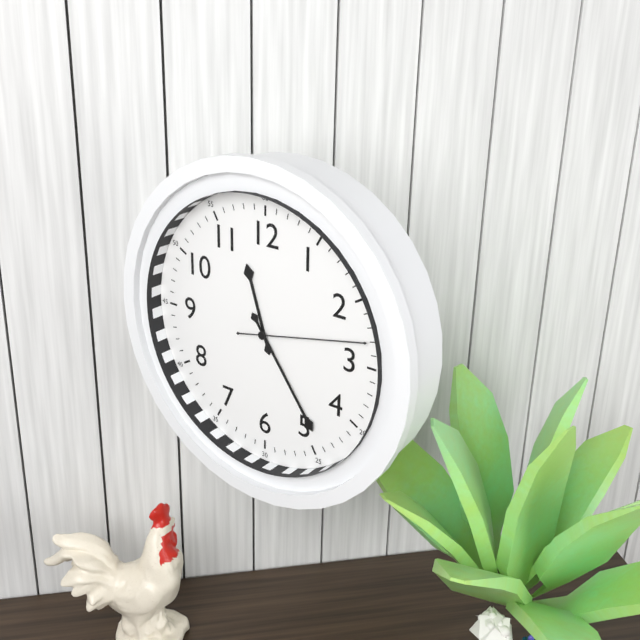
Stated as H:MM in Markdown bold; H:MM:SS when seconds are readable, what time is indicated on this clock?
**11:24:13**
